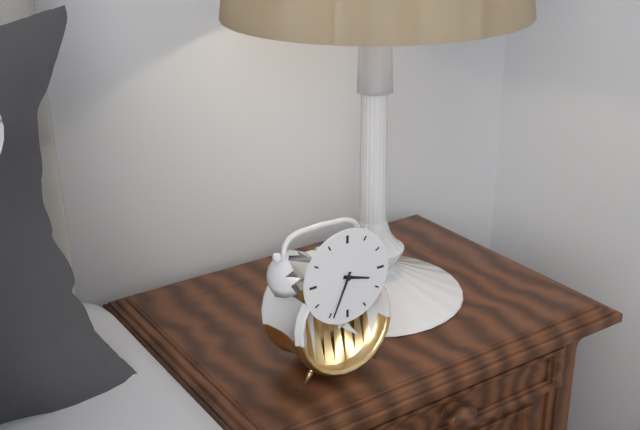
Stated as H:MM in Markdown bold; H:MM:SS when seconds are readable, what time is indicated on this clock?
**3:34**
